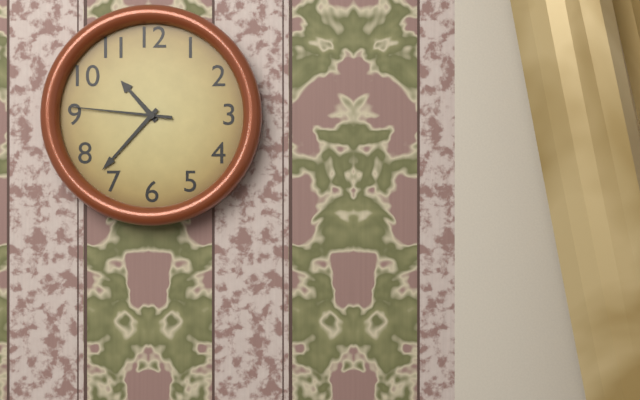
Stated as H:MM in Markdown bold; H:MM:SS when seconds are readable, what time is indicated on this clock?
**10:37:46**
